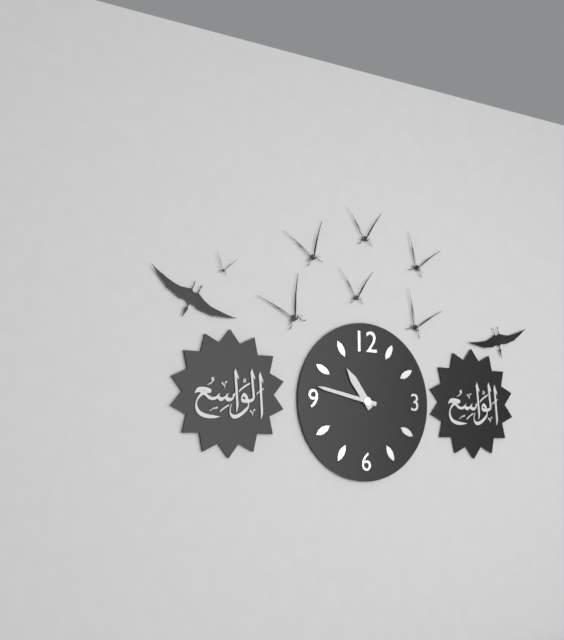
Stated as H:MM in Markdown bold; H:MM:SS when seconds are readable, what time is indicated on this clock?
**10:47**
